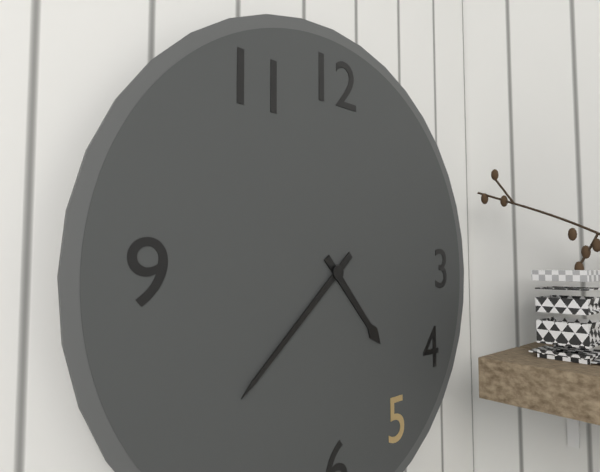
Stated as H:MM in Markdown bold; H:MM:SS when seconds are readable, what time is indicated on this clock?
**4:38**
